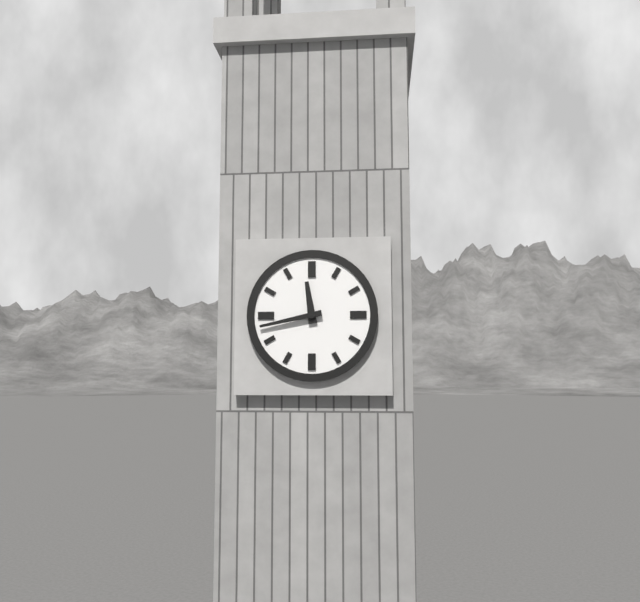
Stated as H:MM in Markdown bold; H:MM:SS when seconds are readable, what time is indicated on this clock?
**11:43**
